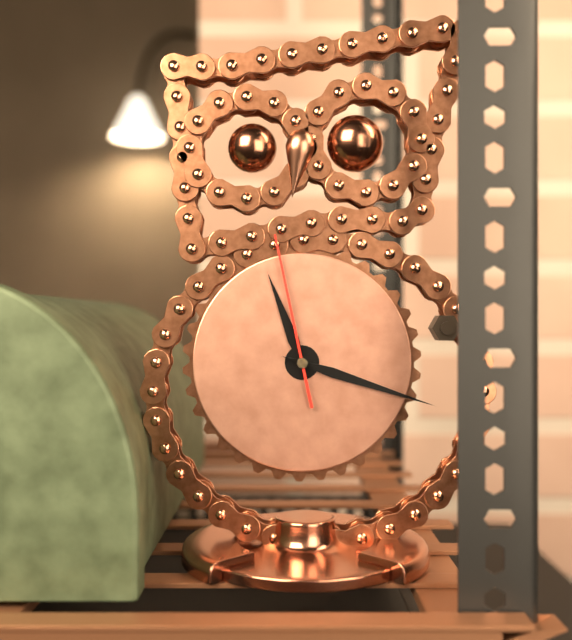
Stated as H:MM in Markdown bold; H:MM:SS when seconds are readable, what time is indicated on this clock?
**11:18:58**
